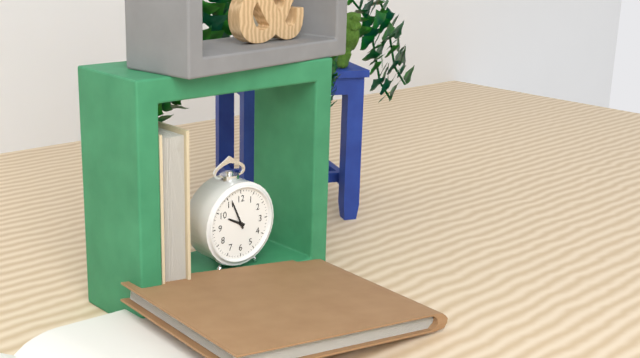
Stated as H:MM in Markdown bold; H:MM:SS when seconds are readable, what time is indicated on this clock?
**9:56**
